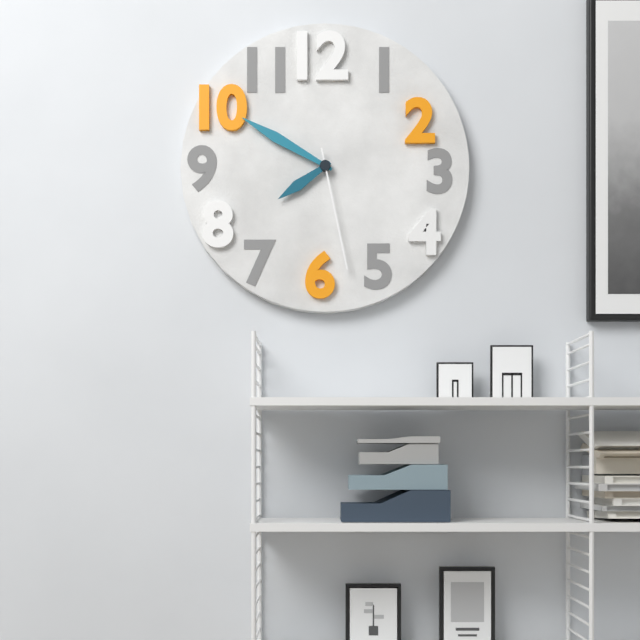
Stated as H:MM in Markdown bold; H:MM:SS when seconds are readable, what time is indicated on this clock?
**7:50:28**
